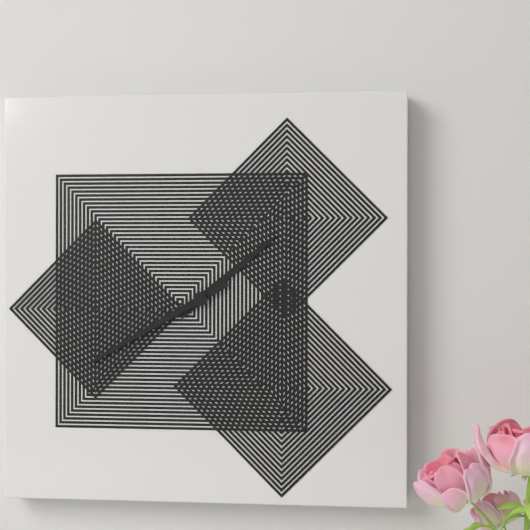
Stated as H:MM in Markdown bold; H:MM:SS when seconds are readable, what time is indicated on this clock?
**1:40**
